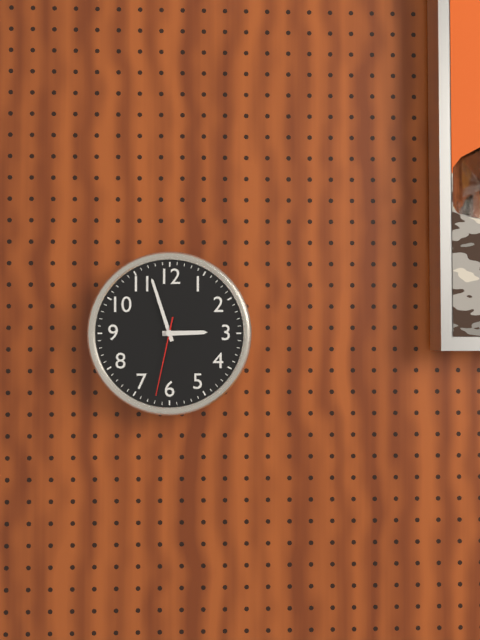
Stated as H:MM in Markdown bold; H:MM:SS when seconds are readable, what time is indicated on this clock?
**2:57:32**
